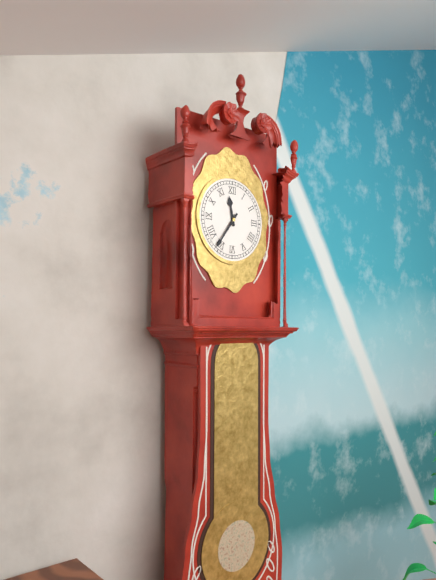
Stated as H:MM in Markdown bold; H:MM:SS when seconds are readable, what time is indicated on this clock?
**11:36**
